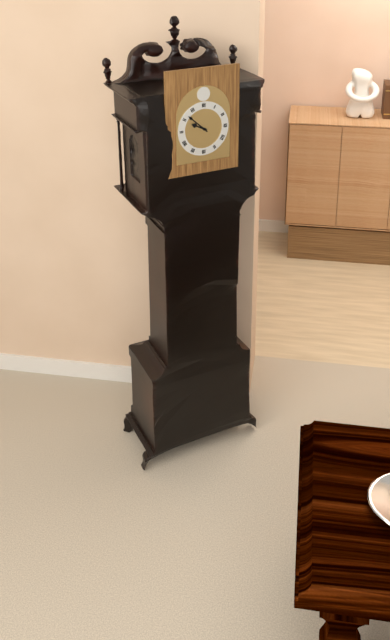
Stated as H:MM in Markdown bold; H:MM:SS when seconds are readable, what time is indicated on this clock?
**9:52**
